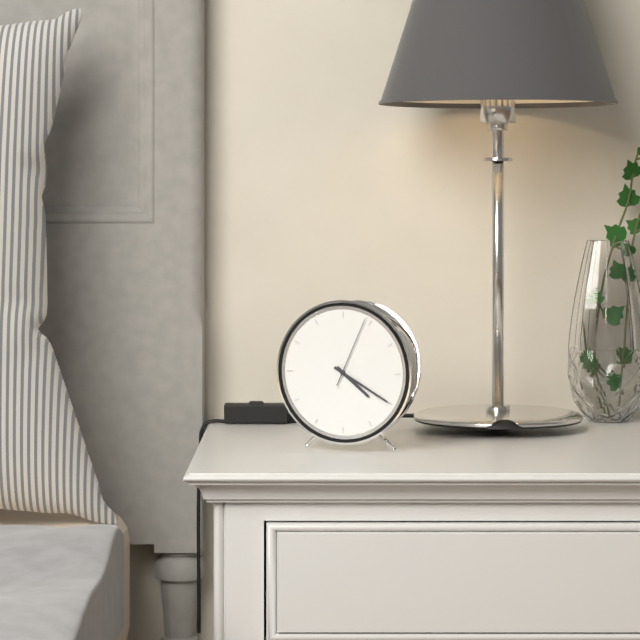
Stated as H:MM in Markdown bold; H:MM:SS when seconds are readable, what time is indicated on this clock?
**4:20:04**
